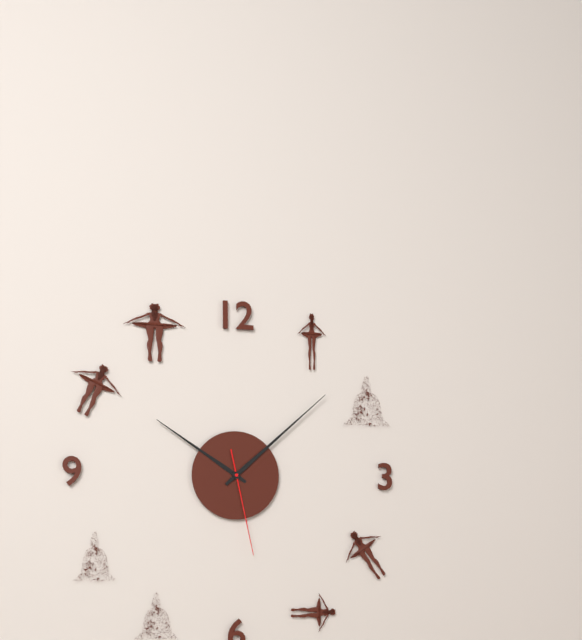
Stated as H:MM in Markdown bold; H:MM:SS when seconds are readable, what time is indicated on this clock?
**10:08:28**
